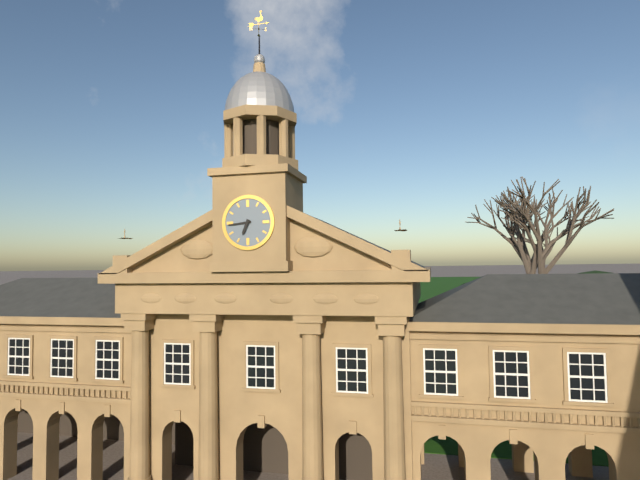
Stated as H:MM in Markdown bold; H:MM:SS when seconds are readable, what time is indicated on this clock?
**6:44**
